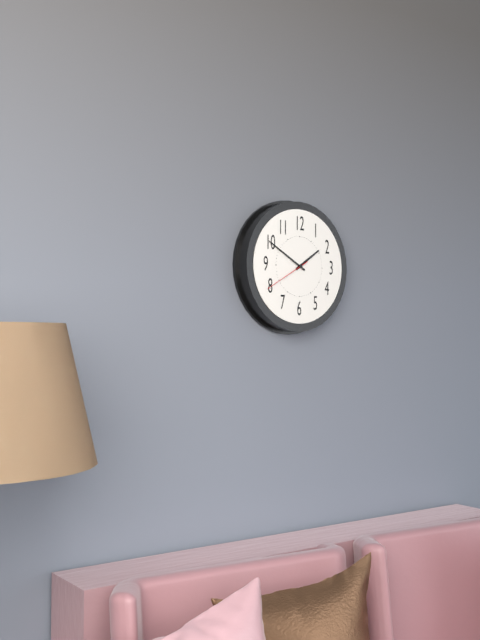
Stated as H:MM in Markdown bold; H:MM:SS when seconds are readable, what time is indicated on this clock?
**1:50:40**
